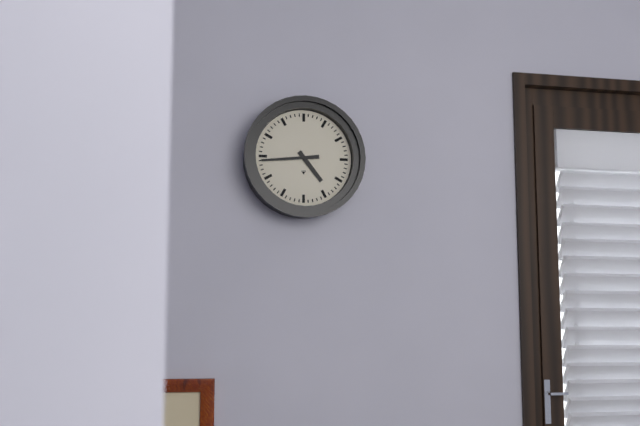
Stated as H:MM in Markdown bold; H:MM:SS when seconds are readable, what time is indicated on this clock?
**4:44**
